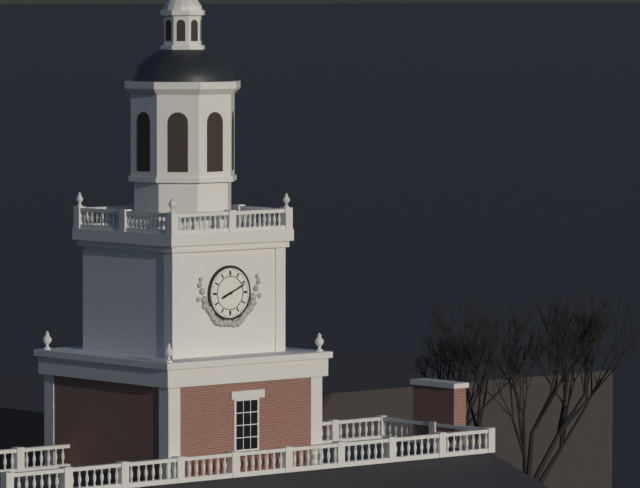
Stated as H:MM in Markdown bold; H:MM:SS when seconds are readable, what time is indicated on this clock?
**8:11**
